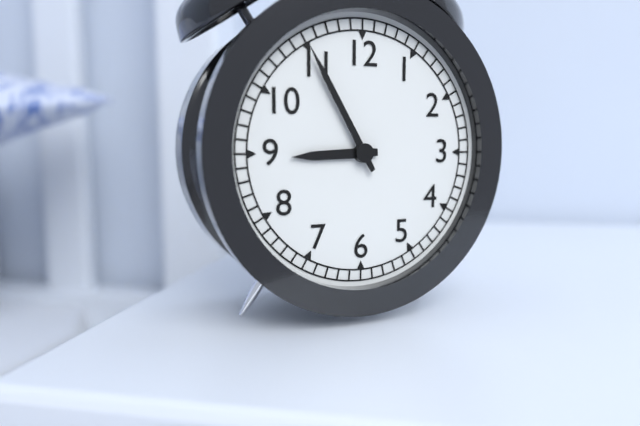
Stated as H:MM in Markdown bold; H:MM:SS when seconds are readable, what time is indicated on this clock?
**8:55**
